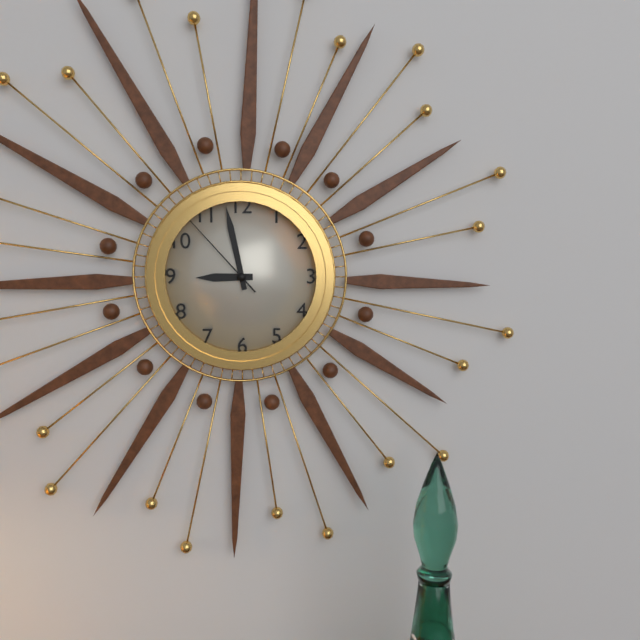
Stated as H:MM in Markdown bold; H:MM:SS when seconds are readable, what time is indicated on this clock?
**8:58:53**
